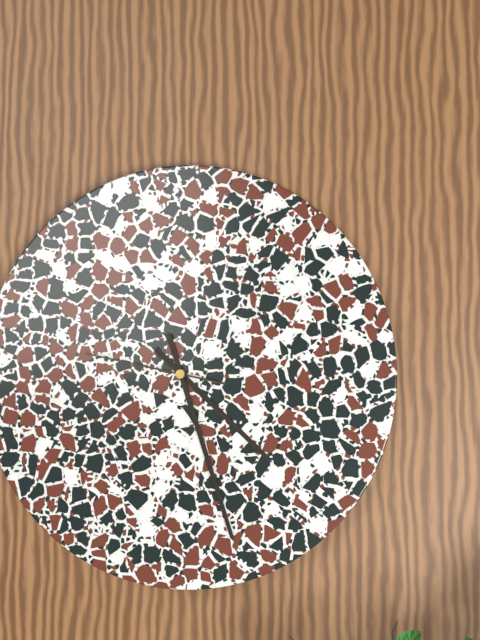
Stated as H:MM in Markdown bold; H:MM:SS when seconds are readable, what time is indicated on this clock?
**4:27:47**
